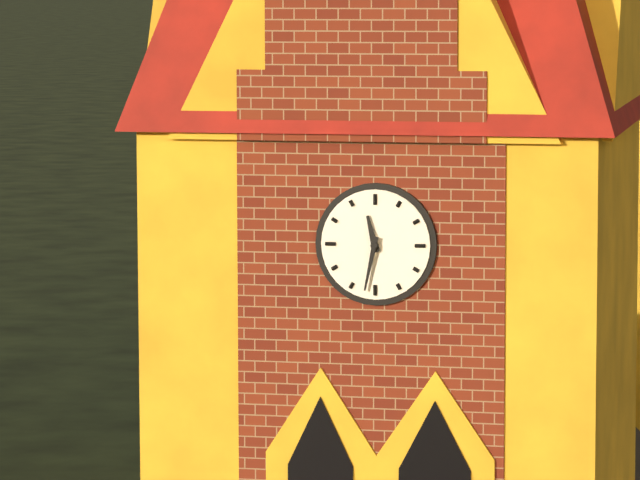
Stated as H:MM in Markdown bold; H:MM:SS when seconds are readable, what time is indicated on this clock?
**11:32**
